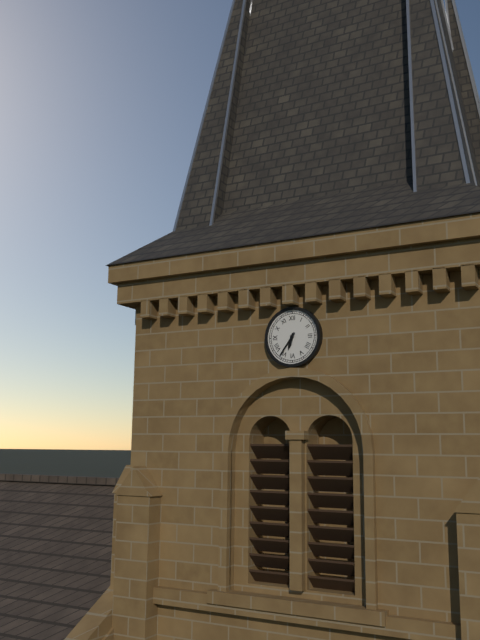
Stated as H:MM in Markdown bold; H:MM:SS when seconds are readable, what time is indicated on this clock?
**6:36**
